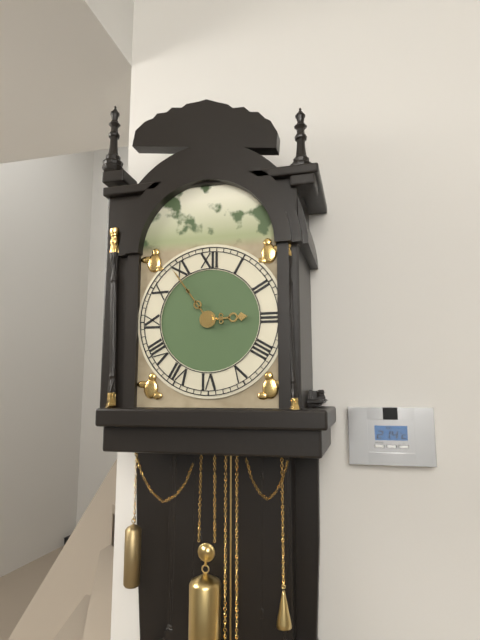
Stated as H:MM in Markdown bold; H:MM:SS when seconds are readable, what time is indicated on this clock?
**2:54**
